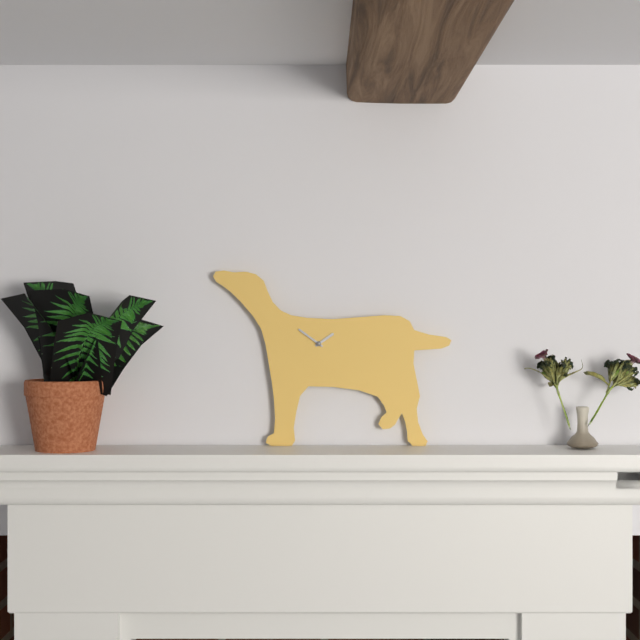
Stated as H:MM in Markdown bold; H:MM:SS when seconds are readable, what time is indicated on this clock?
**1:51**
